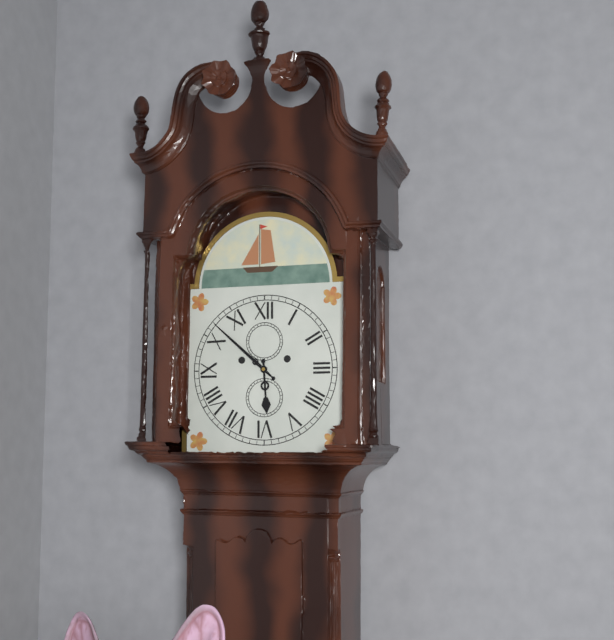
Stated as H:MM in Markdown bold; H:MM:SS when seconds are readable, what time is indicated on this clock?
**5:52**
